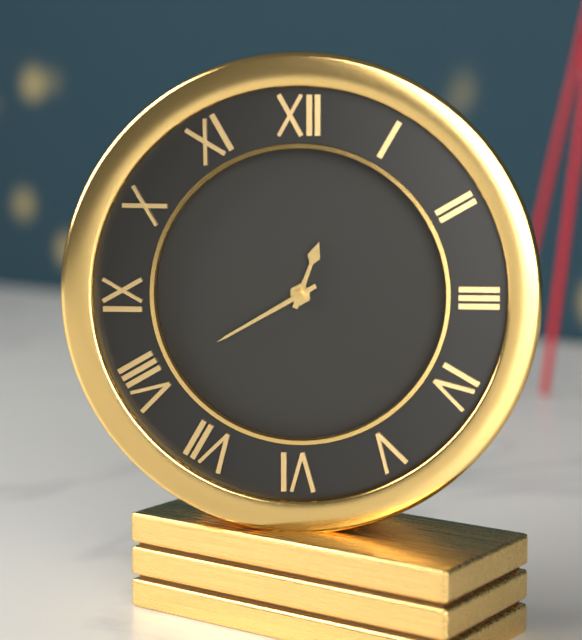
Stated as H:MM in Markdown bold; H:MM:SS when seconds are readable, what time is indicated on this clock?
**12:40**
